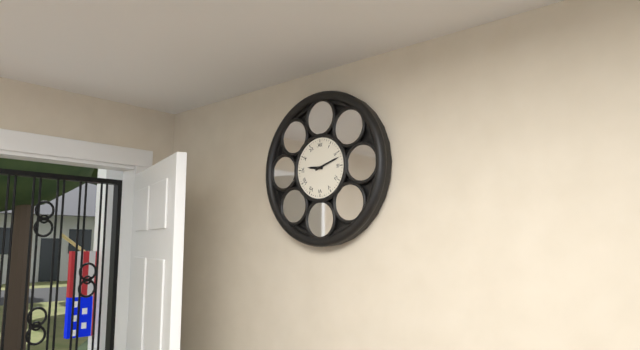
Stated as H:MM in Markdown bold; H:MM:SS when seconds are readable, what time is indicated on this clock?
**9:12**
